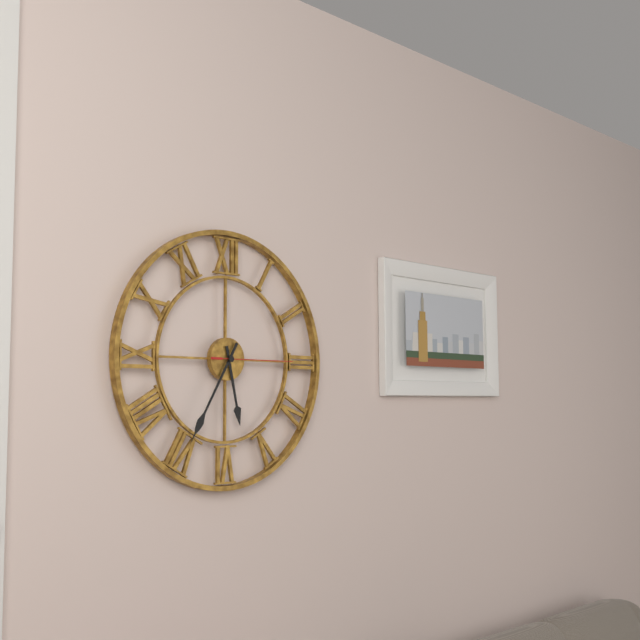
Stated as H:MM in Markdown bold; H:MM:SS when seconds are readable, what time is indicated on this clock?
**5:35:15**
